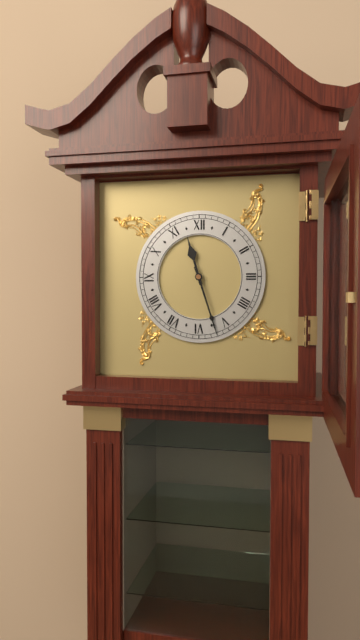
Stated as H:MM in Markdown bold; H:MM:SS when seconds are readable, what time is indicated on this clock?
**11:27**
